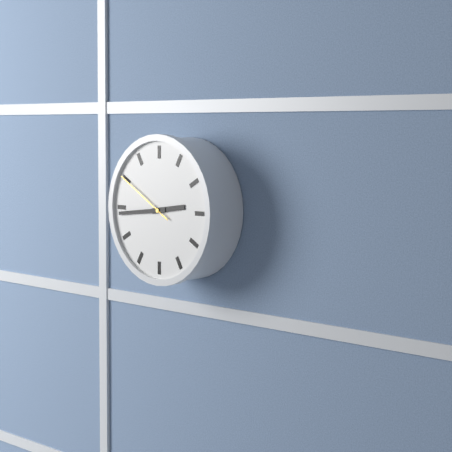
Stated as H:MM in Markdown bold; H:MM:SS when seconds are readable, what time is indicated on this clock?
**2:44:50**
